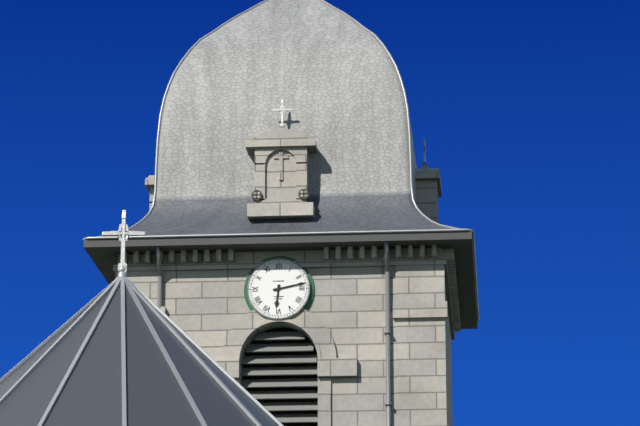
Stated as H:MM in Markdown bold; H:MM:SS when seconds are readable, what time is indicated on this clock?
**6:13**
